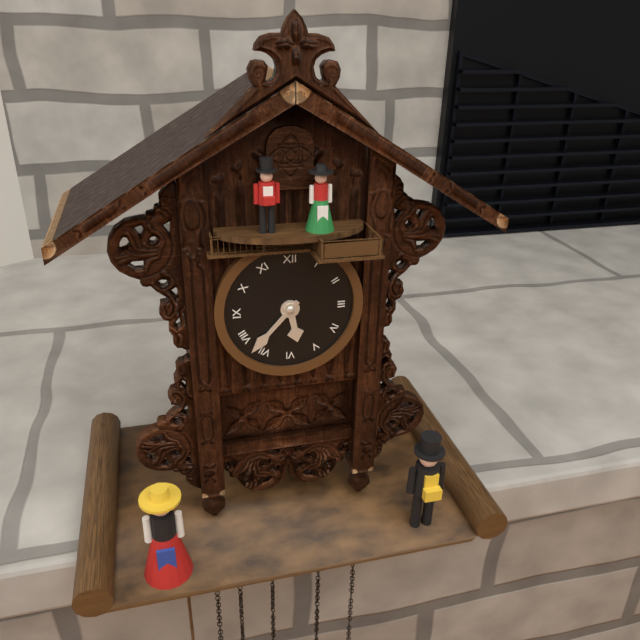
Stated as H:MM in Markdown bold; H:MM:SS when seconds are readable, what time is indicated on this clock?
**5:37**
